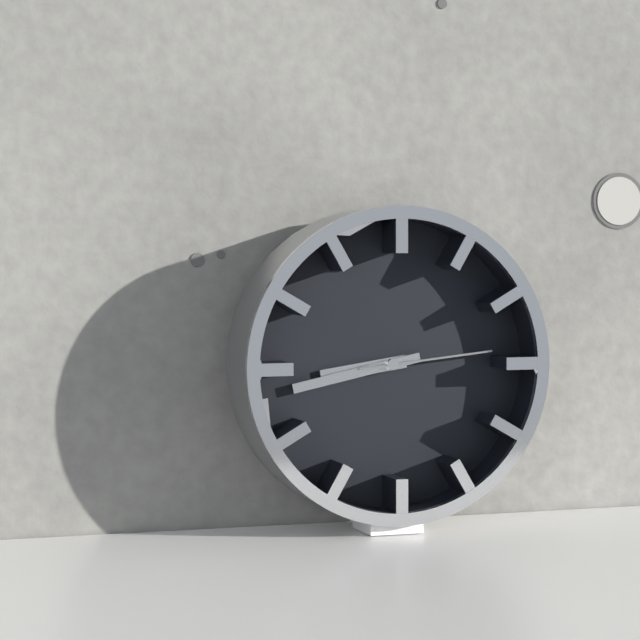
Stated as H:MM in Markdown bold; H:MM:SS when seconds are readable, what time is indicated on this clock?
**8:43:14**
